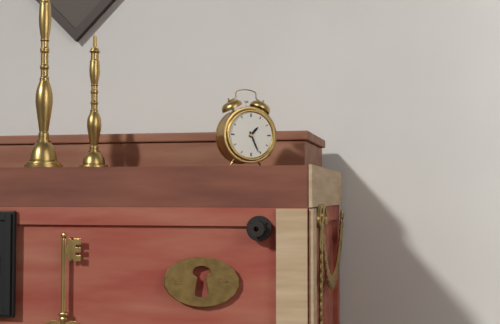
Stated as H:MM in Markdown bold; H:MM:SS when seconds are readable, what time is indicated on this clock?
**1:26**
